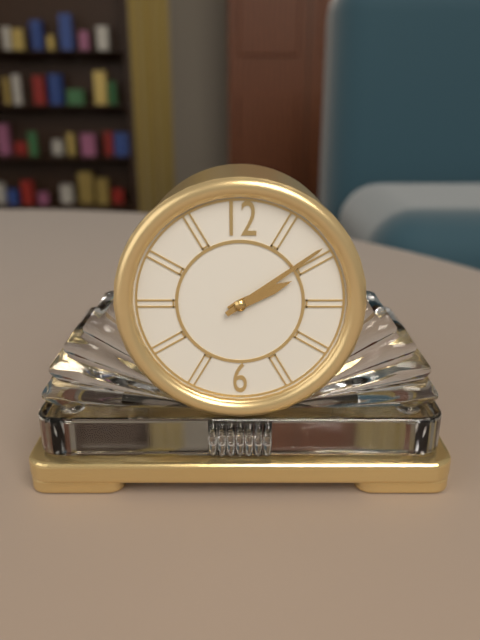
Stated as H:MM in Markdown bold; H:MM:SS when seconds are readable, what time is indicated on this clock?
**2:09**
